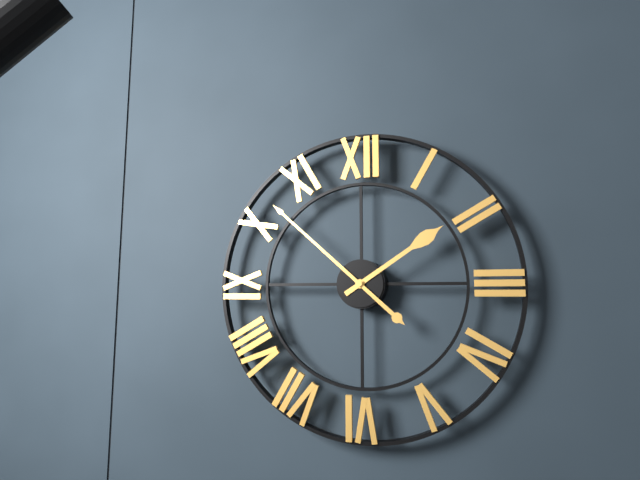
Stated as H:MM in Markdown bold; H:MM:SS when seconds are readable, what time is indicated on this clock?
**1:52**
